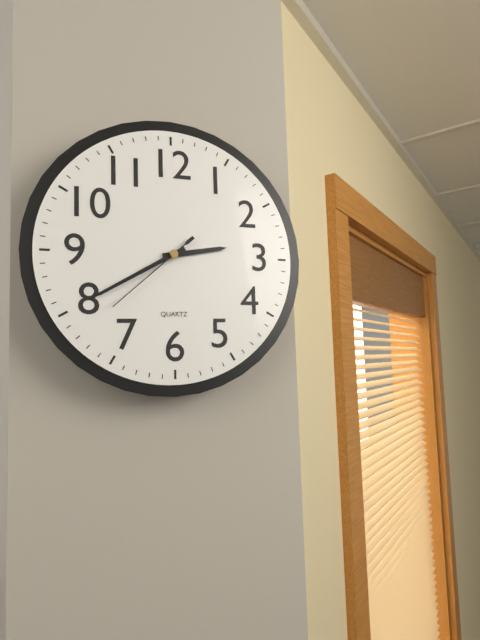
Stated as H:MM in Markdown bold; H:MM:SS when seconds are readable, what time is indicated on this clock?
**2:40:38**
